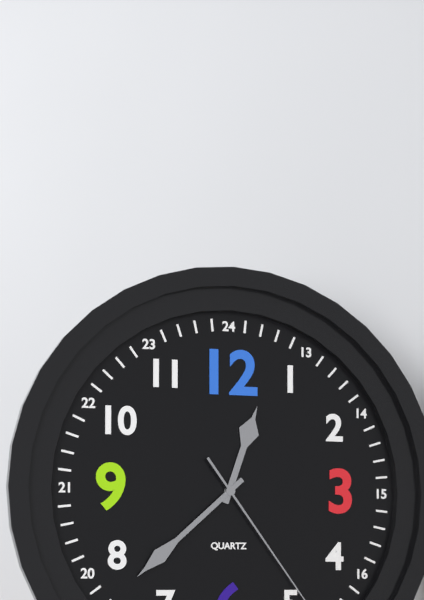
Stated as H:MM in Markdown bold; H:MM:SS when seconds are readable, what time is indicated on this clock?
**12:38**
